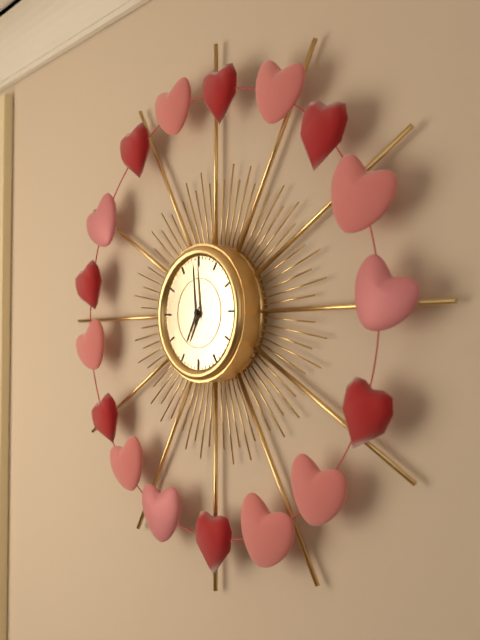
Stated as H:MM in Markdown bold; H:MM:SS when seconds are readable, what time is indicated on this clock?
**6:59**
